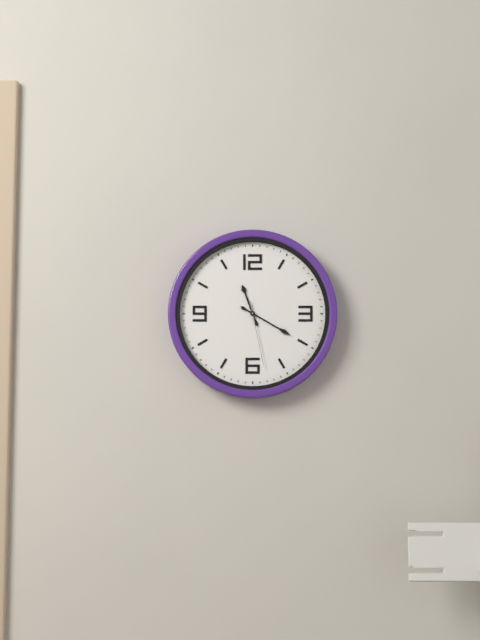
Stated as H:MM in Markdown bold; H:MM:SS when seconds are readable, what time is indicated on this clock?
**11:20:28**
